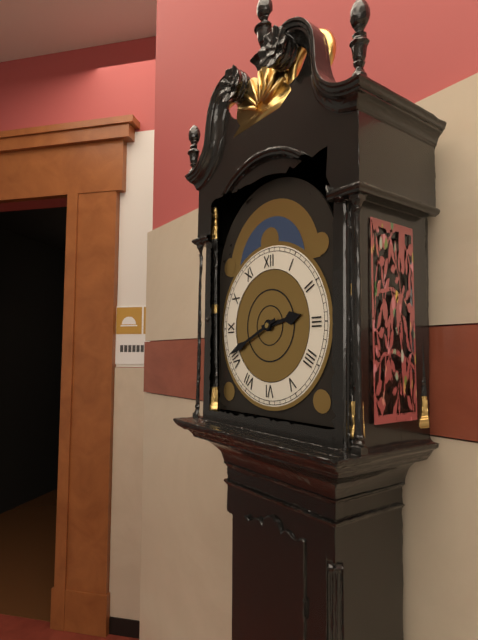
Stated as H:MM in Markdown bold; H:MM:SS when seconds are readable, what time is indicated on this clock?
**2:41**
